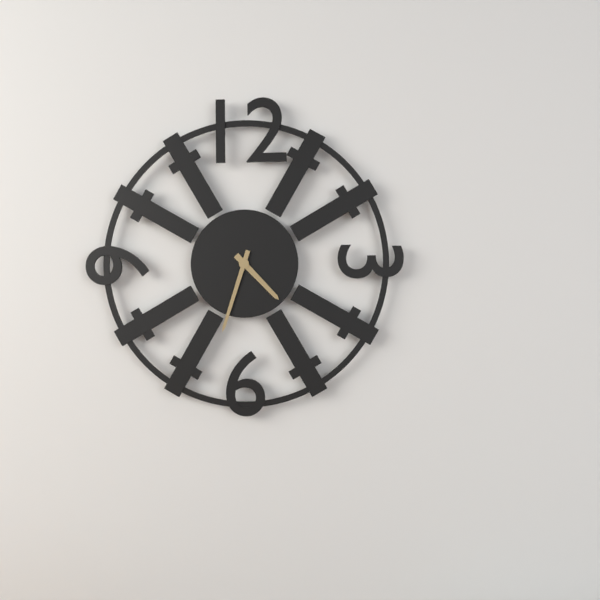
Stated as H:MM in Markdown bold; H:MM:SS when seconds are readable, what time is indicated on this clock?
**4:33**
